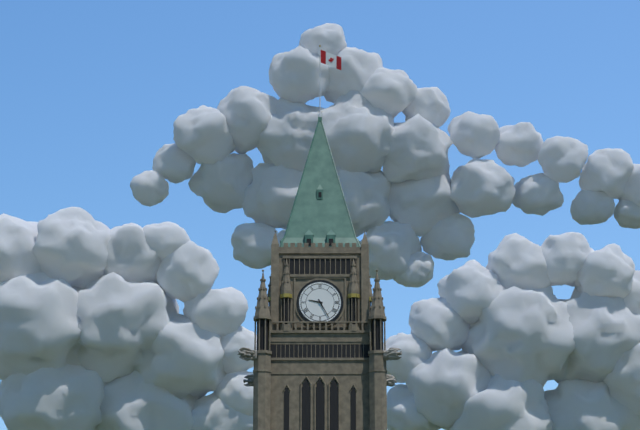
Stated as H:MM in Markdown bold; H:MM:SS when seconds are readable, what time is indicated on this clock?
**9:25**
